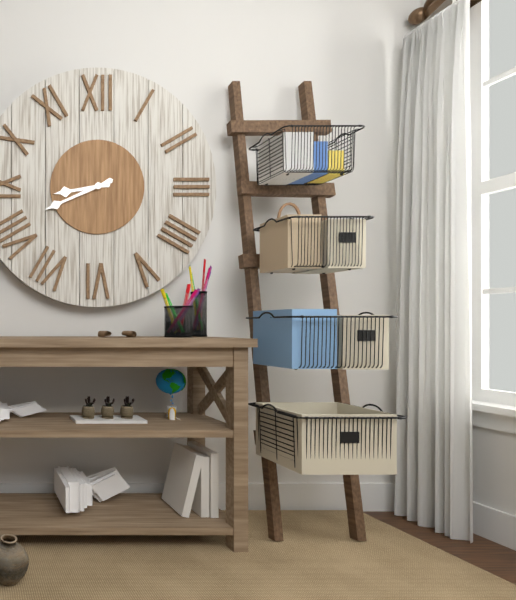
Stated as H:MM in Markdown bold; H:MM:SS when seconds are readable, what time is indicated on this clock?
**8:41**
